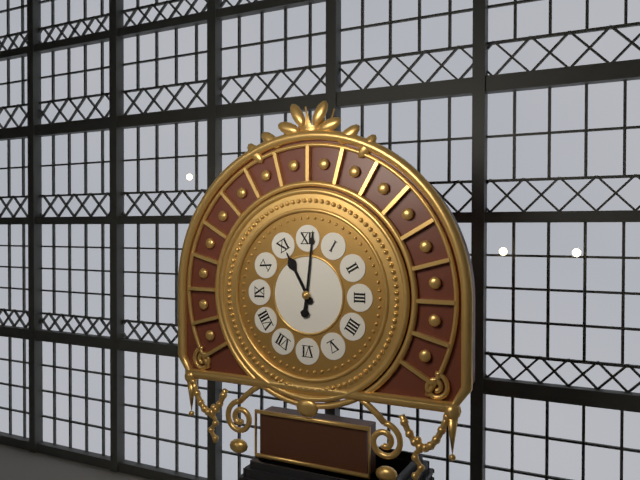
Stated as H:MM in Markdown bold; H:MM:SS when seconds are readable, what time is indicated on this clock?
**11:01**
